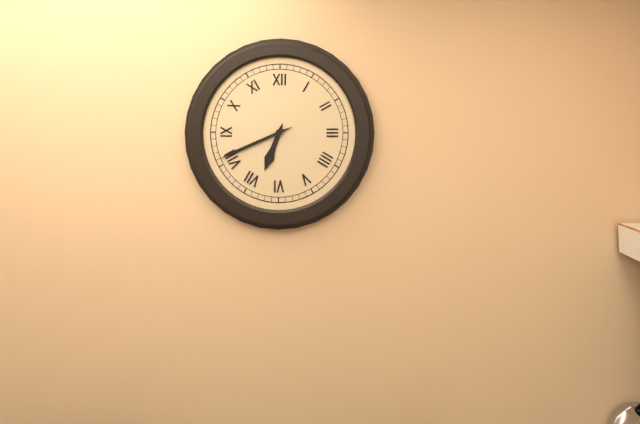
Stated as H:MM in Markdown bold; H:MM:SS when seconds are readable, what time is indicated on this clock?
**6:41**
